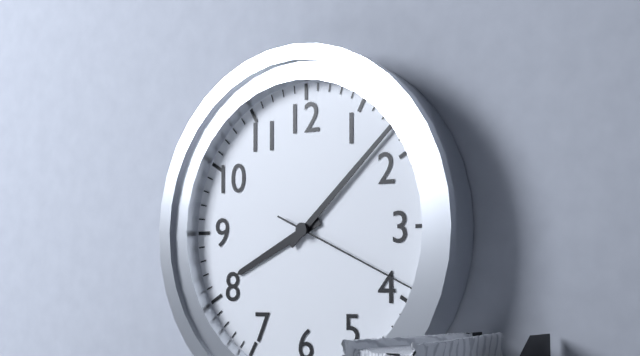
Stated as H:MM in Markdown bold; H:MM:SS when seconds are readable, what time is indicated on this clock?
**8:08:19**
